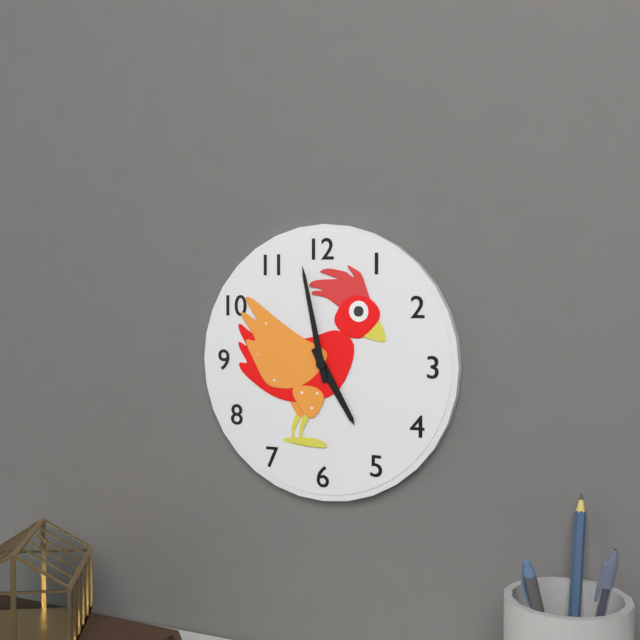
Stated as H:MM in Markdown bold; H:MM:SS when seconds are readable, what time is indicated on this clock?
**4:58**
